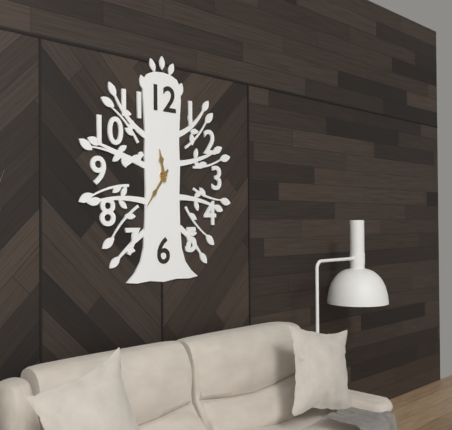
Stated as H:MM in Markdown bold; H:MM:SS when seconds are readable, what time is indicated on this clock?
**11:36**
